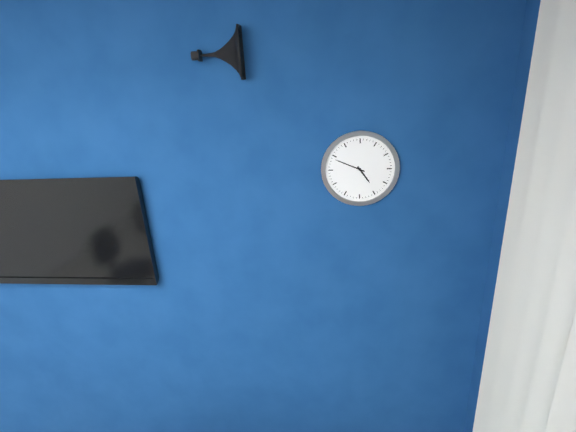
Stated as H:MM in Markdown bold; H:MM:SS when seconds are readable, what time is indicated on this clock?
**4:49**
